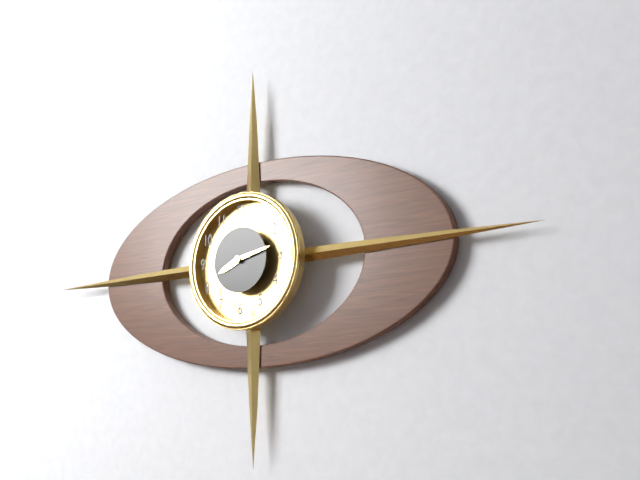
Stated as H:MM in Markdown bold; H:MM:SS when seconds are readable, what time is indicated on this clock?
**8:13**
